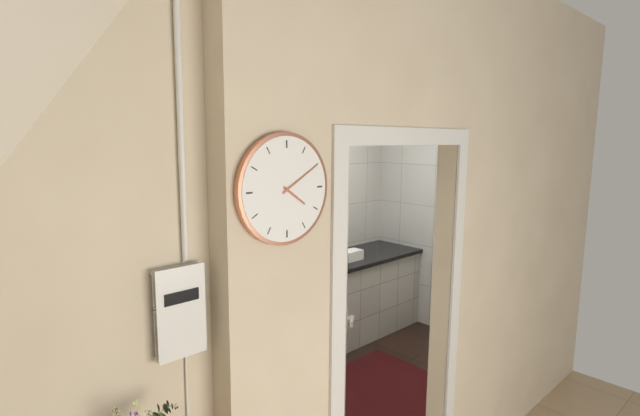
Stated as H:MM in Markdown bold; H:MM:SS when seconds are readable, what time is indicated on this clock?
**4:10**
